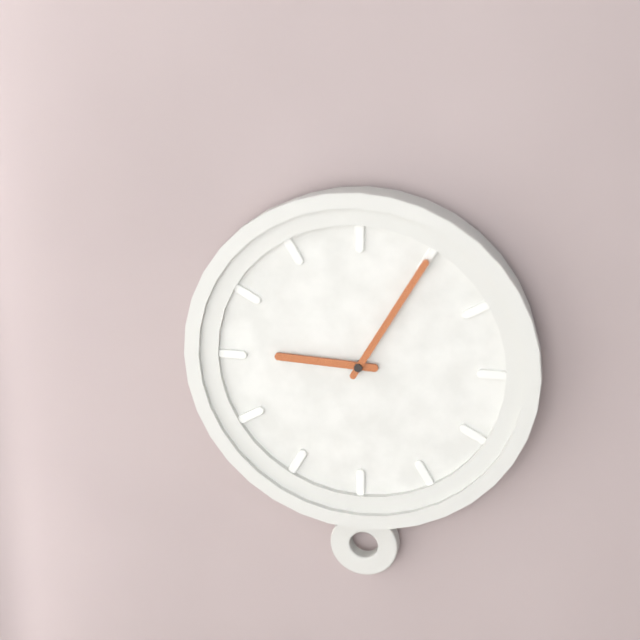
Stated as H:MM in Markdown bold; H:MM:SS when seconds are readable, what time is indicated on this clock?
**9:05**
